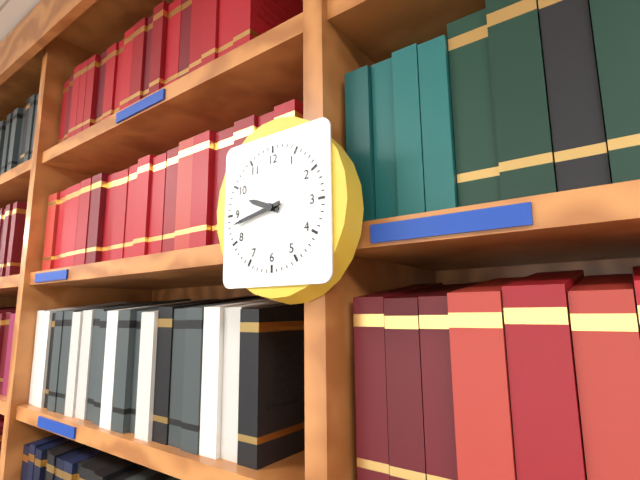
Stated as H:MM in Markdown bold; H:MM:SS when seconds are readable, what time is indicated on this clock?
**9:43**
